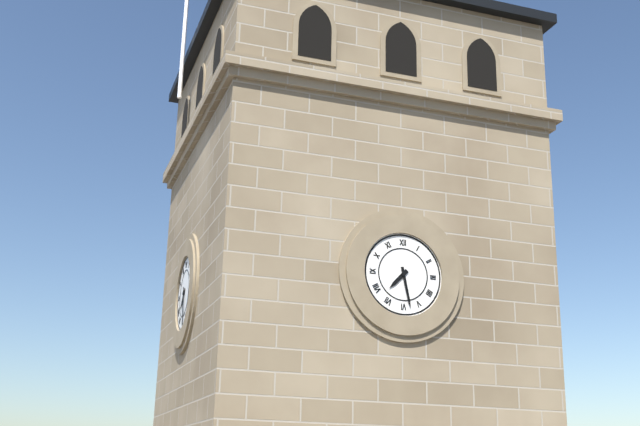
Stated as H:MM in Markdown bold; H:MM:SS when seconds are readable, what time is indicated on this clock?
**7:28**
